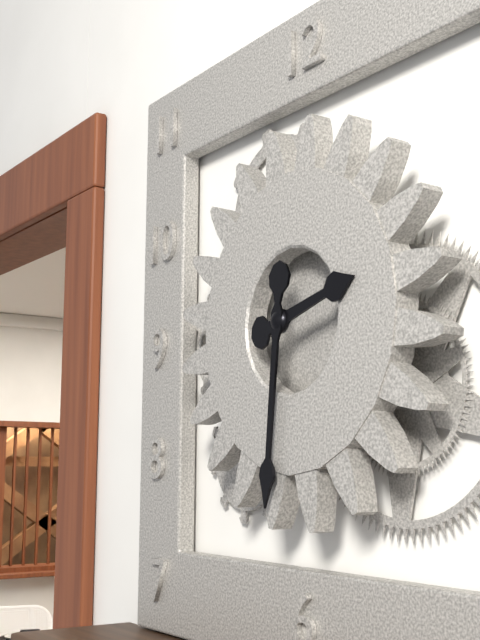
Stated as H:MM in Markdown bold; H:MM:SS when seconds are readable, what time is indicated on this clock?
**2:31**
